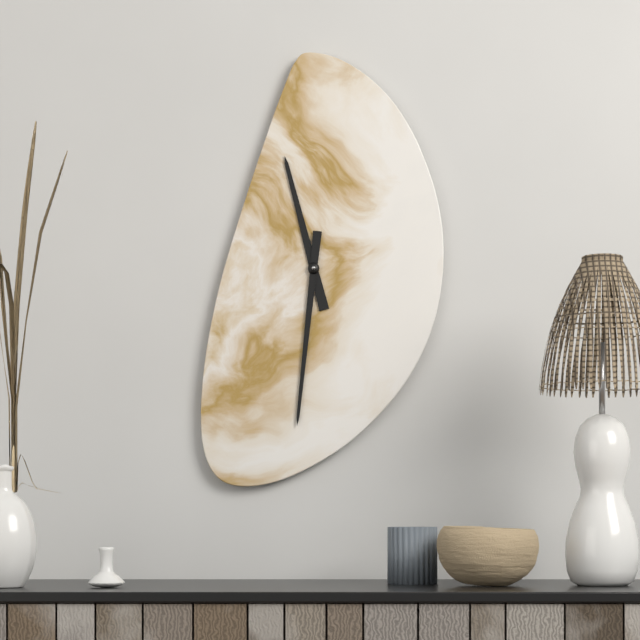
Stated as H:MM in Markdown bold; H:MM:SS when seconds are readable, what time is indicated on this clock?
**11:31**
